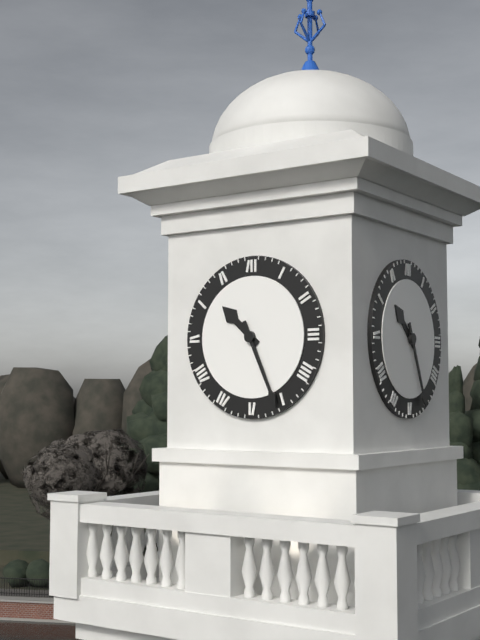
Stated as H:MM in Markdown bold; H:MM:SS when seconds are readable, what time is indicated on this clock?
**10:26**
